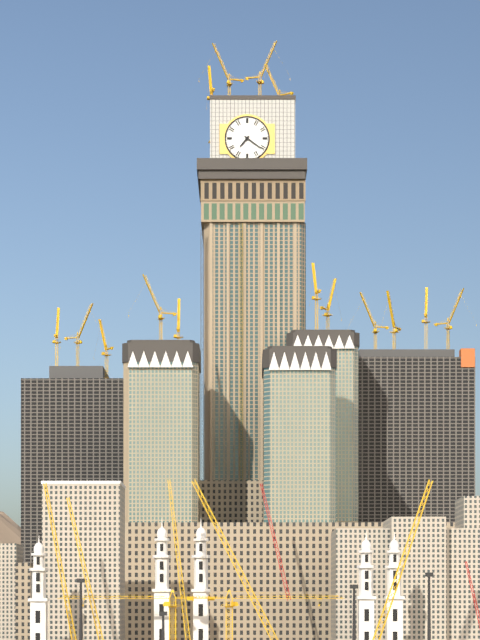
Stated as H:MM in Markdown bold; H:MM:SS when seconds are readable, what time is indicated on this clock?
**7:21**
